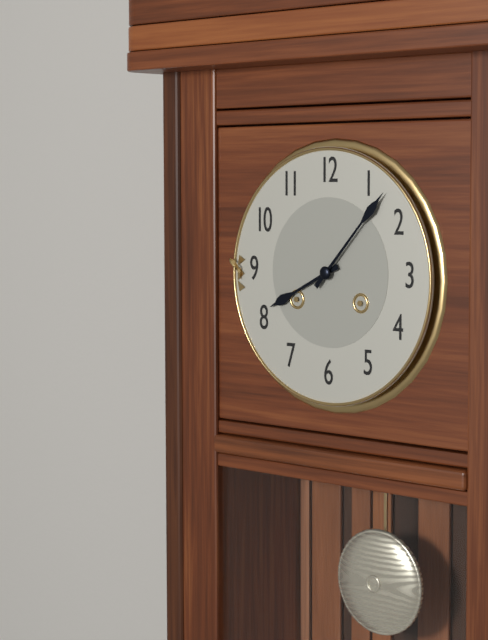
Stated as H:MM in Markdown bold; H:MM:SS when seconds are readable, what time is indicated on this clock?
**8:07**
